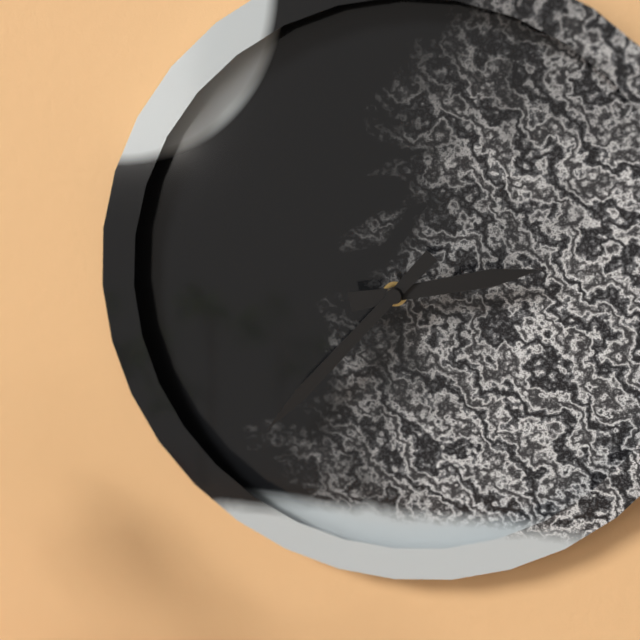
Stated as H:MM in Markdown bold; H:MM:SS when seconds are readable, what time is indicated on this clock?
**2:37**
